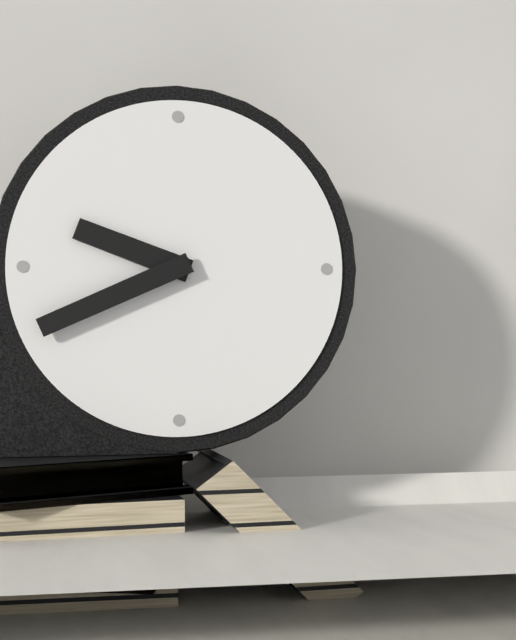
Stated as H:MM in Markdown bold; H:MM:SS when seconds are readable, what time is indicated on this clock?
**9:41**
